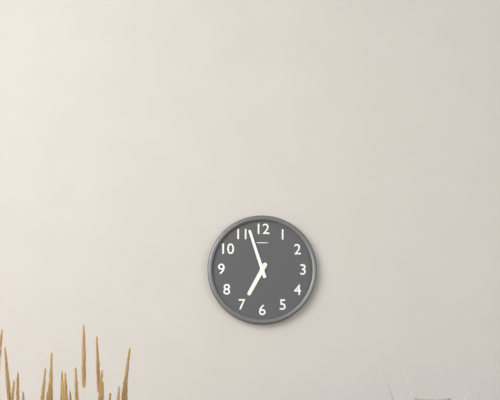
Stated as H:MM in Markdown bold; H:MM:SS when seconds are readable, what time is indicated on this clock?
**6:57**
